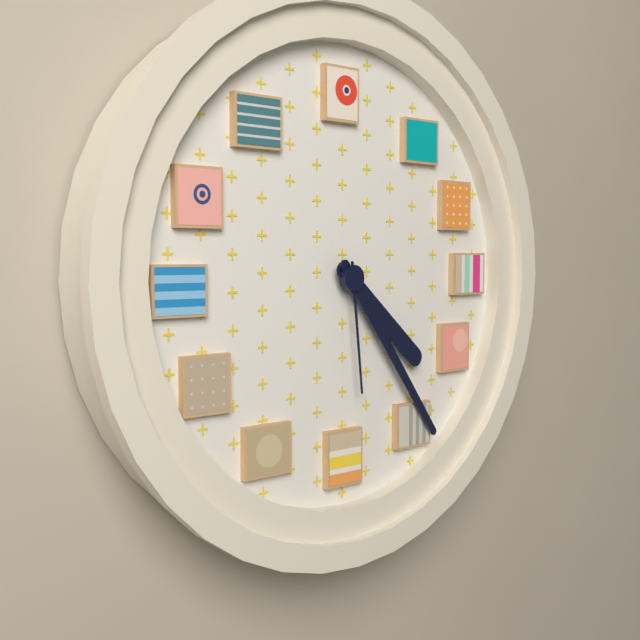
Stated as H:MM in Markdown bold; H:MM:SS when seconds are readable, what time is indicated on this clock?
**4:24:29**
